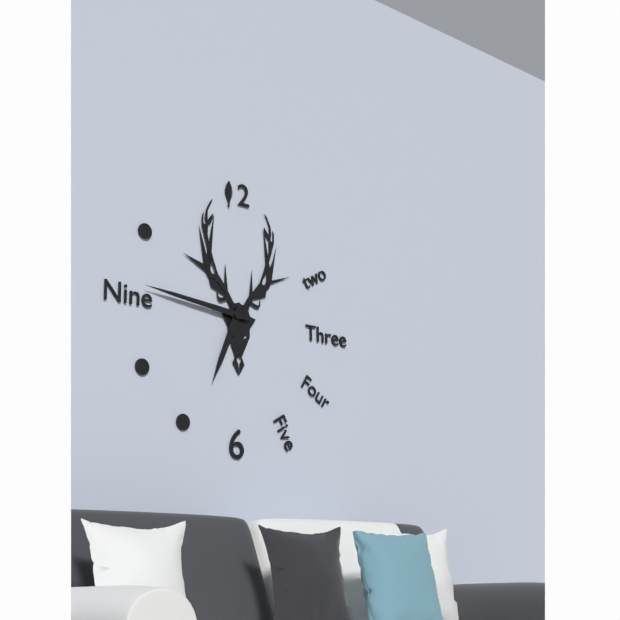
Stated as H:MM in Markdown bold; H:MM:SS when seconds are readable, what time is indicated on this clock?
**6:46**
